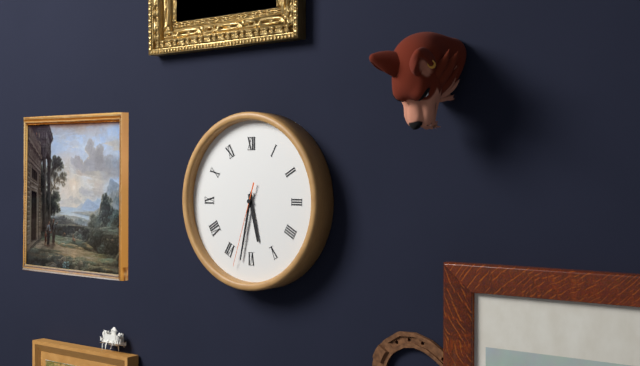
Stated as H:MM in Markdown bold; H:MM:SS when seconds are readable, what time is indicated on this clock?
**5:32:33**
